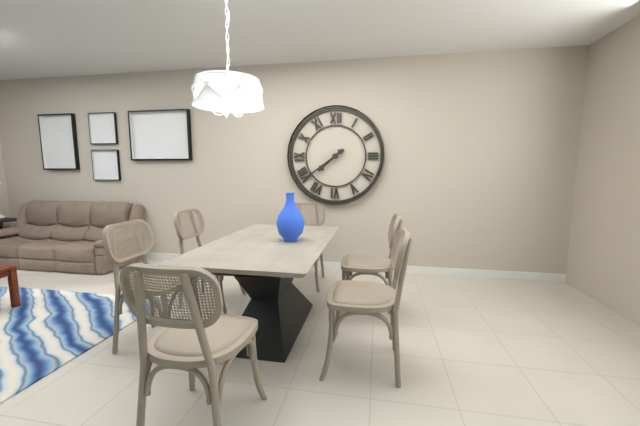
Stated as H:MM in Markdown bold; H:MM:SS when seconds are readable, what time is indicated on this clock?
**7:39**
